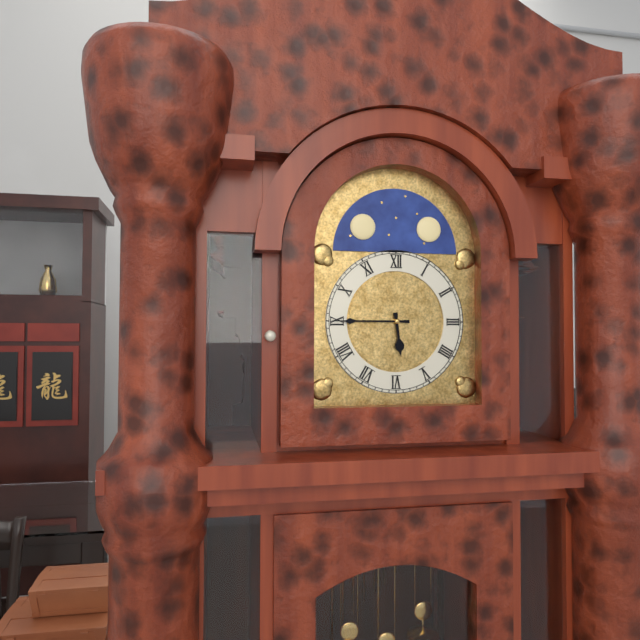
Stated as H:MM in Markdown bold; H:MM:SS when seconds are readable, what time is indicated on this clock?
**5:45**
